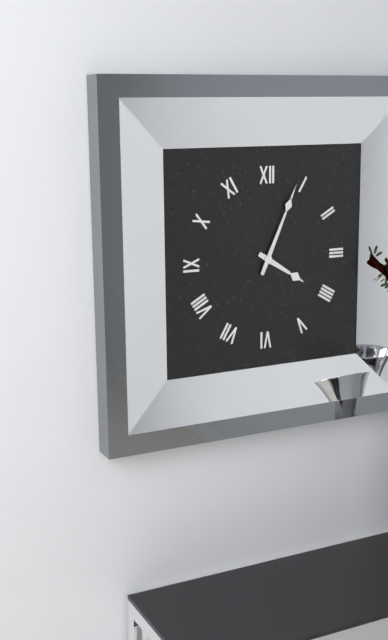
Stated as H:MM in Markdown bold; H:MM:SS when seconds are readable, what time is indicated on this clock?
**4:04**
